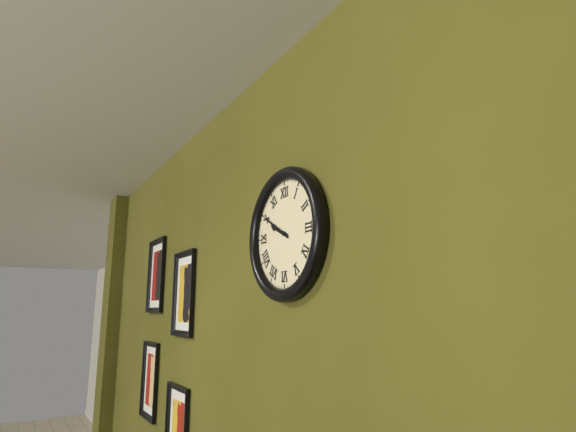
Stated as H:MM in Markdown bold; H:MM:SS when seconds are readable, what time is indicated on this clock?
**9:50**
